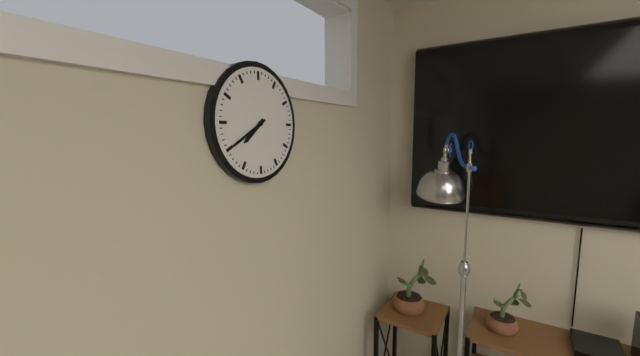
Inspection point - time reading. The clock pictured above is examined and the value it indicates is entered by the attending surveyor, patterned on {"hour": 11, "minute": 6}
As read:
{"hour": 7, "minute": 40}
